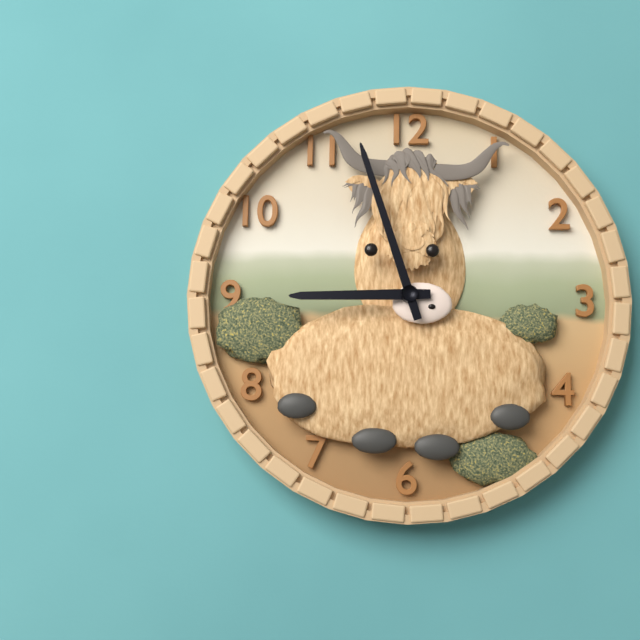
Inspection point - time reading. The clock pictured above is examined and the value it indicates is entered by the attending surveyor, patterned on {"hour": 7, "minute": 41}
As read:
{"hour": 8, "minute": 57}
